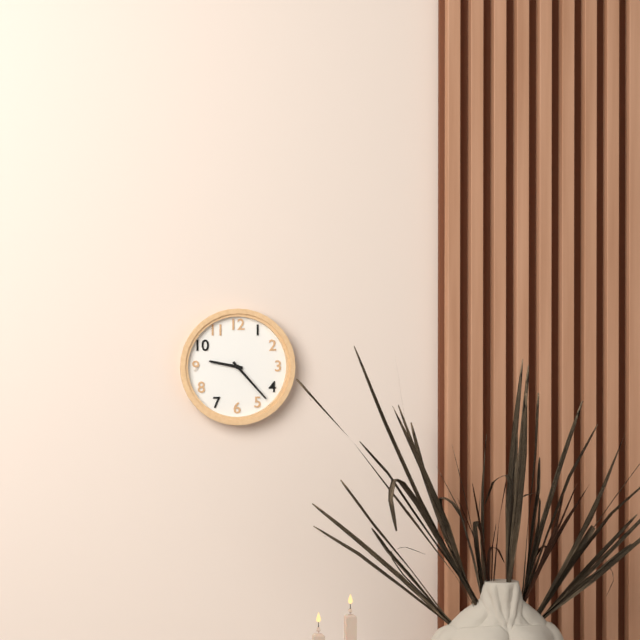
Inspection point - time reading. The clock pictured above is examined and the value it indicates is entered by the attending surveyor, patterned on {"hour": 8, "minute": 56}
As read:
{"hour": 9, "minute": 23}
